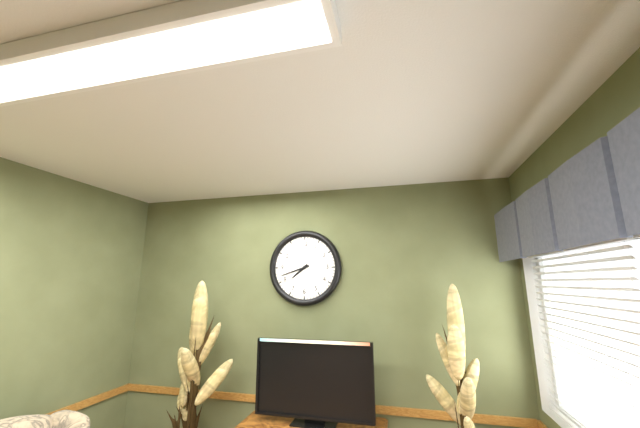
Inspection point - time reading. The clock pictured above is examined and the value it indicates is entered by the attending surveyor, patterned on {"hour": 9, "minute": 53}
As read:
{"hour": 7, "minute": 42}
